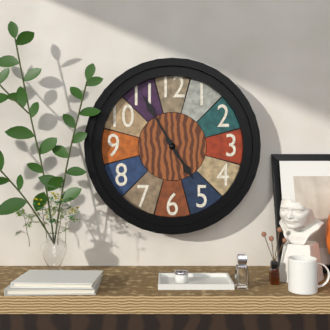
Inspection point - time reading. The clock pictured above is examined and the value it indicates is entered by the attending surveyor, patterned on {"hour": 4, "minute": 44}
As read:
{"hour": 4, "minute": 55}
